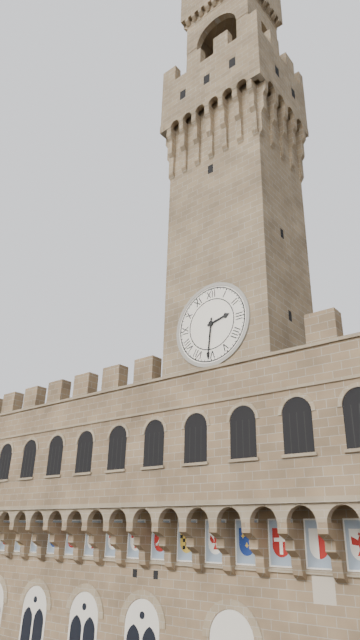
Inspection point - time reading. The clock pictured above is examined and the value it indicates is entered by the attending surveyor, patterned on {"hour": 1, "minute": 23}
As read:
{"hour": 2, "minute": 31}
